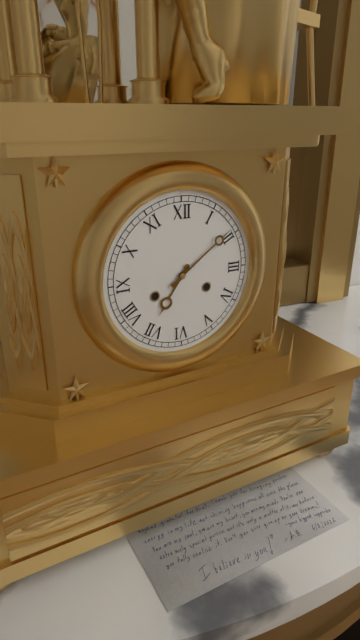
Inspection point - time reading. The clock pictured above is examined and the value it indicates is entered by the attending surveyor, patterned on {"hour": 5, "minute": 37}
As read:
{"hour": 7, "minute": 9}
